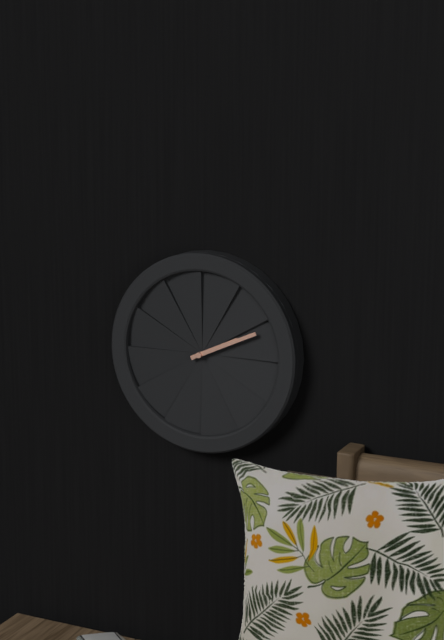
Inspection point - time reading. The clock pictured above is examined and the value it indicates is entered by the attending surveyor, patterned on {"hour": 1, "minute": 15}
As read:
{"hour": 2, "minute": 11}
